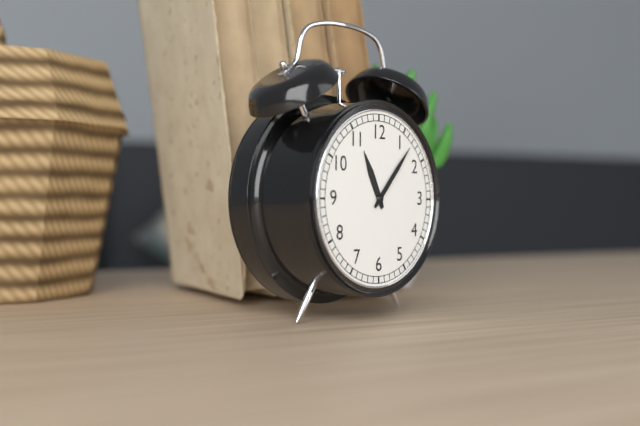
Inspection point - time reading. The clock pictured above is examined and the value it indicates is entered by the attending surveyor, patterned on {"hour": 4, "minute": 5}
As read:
{"hour": 11, "minute": 7}
